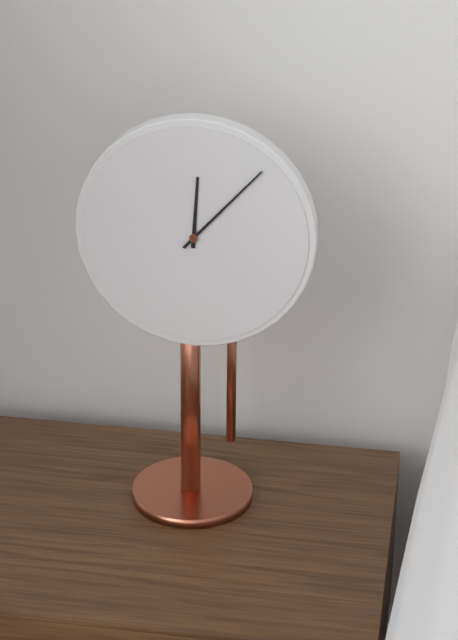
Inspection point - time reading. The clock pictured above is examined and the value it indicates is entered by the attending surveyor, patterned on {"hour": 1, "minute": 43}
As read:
{"hour": 12, "minute": 7}
